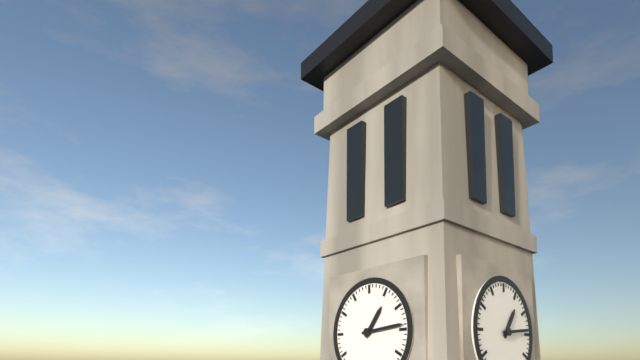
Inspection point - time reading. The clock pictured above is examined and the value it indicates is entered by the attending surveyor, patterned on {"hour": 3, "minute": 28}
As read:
{"hour": 1, "minute": 14}
